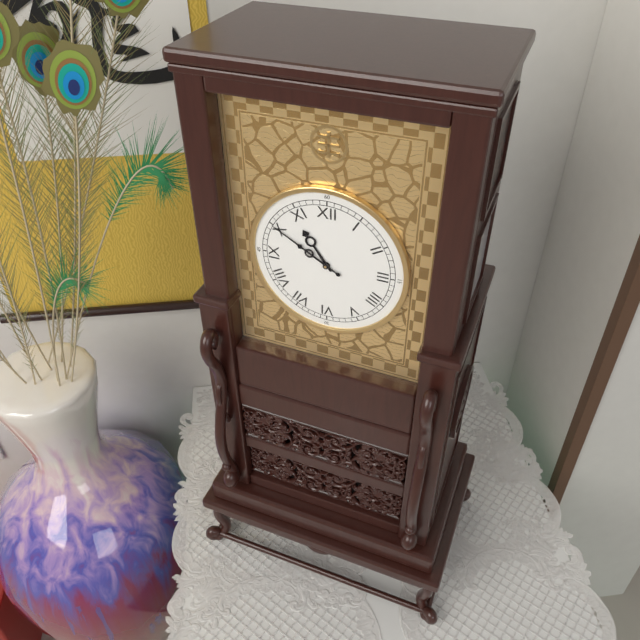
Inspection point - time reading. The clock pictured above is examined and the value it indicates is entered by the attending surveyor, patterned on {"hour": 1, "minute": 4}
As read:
{"hour": 10, "minute": 50}
